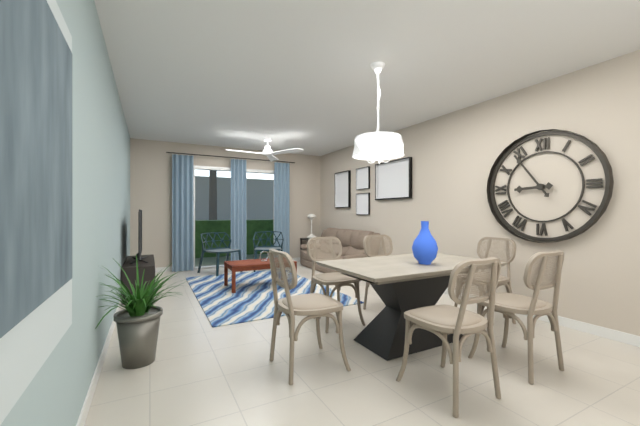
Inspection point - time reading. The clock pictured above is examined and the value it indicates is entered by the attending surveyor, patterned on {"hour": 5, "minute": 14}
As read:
{"hour": 8, "minute": 54}
